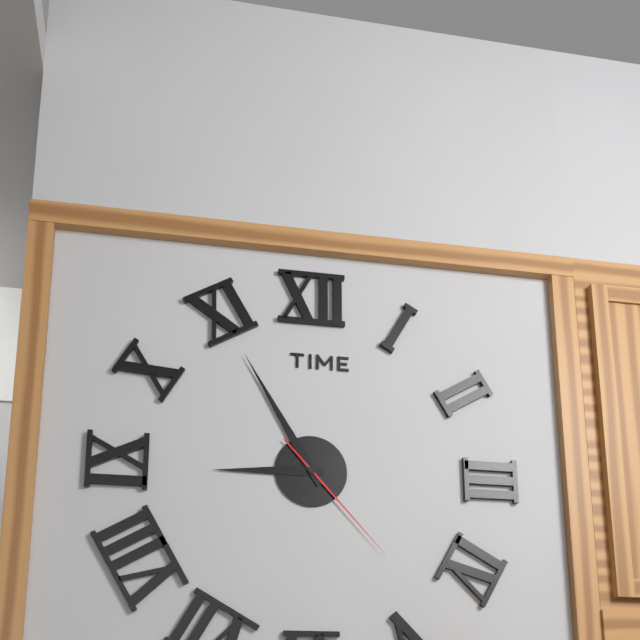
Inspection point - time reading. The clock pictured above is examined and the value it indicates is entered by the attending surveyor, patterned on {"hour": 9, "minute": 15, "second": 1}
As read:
{"hour": 8, "minute": 55, "second": 23}
